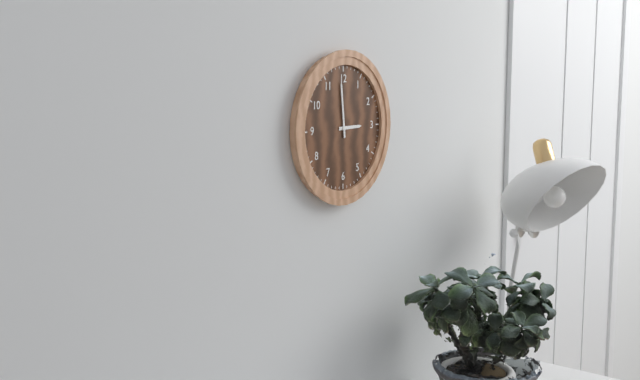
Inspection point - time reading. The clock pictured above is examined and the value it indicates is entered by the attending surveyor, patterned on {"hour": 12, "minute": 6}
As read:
{"hour": 2, "minute": 59}
